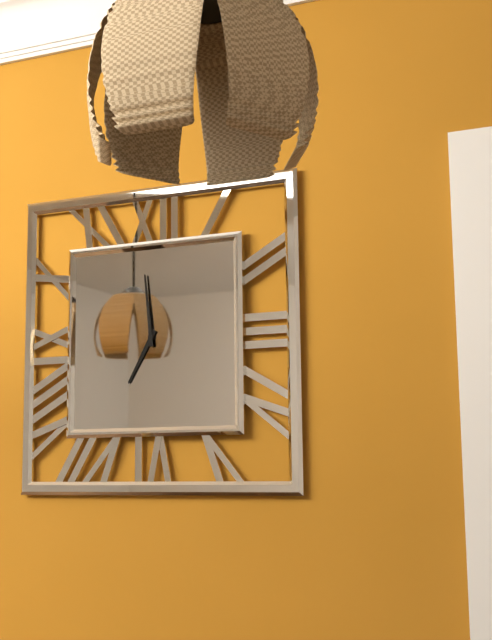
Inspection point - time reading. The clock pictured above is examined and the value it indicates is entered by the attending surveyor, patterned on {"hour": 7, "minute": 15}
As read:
{"hour": 6, "minute": 59}
